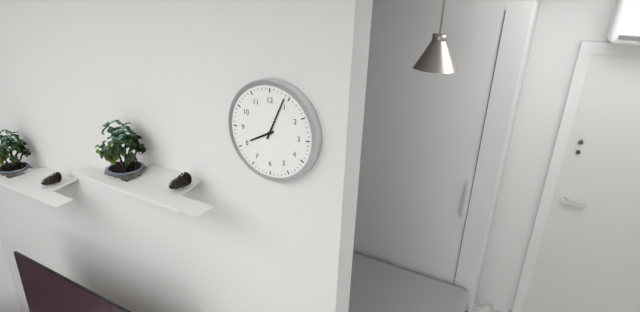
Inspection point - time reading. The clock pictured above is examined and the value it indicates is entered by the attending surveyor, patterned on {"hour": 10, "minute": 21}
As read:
{"hour": 8, "minute": 4}
